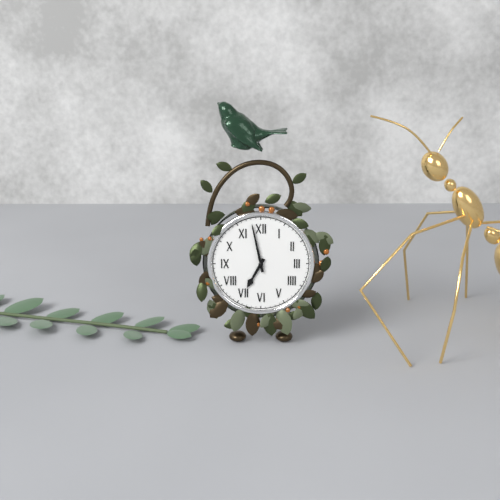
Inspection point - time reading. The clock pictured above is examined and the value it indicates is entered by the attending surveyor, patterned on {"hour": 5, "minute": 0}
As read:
{"hour": 6, "minute": 58}
